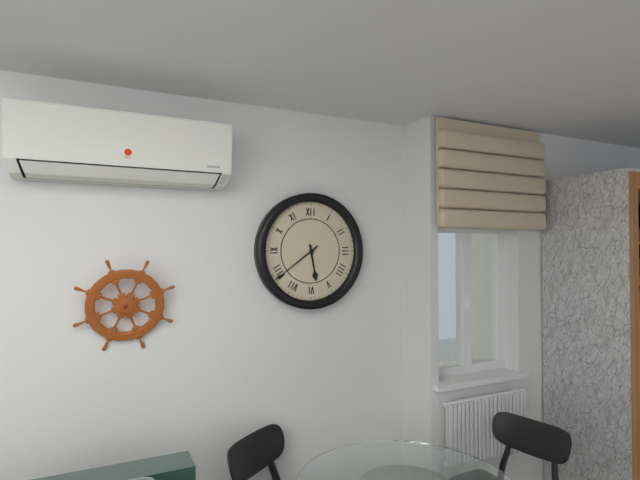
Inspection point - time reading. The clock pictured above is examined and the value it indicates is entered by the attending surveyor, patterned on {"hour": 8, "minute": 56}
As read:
{"hour": 5, "minute": 39}
